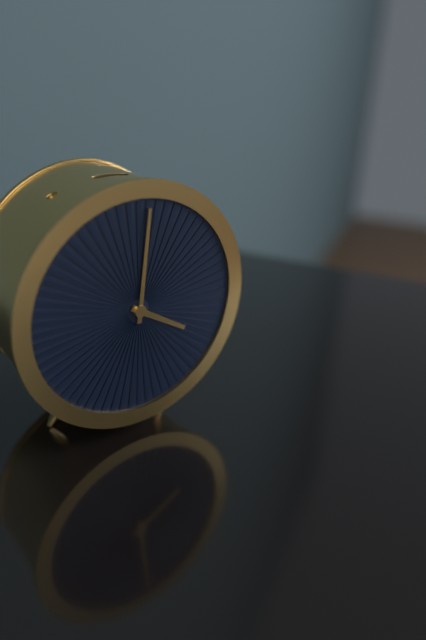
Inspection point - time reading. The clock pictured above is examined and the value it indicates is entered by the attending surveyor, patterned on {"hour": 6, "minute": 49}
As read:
{"hour": 4, "minute": 1}
